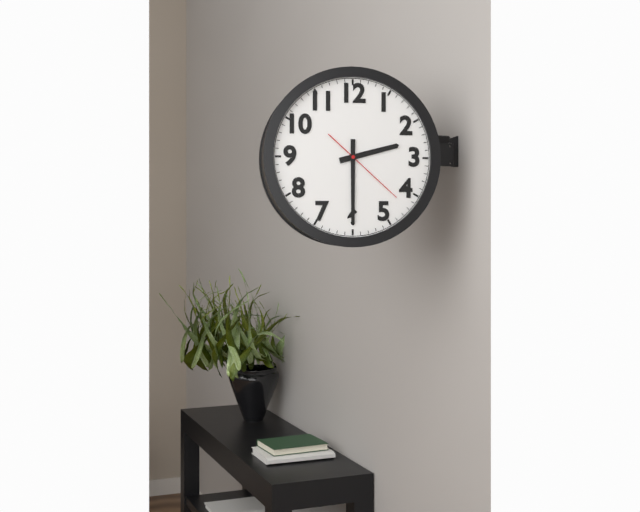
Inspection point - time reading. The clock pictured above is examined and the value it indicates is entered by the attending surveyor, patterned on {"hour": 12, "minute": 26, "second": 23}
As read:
{"hour": 2, "minute": 30, "second": 22}
